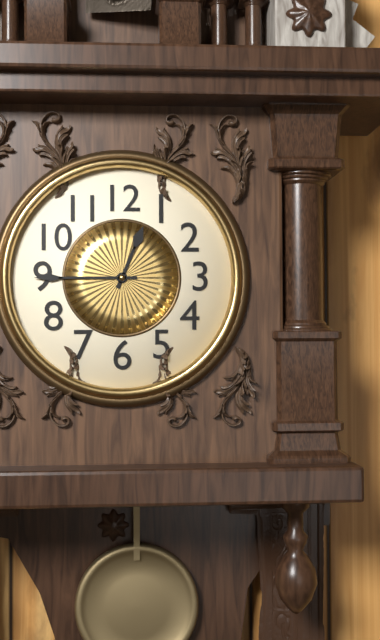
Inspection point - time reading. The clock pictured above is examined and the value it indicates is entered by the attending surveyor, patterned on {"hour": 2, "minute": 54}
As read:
{"hour": 12, "minute": 45}
